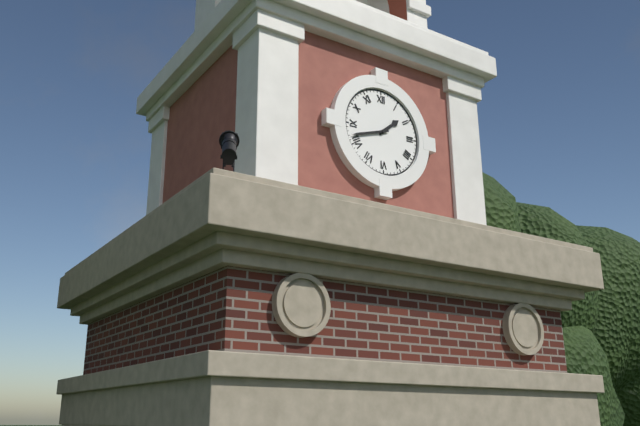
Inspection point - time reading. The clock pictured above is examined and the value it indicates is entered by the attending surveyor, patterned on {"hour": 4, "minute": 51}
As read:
{"hour": 1, "minute": 42}
